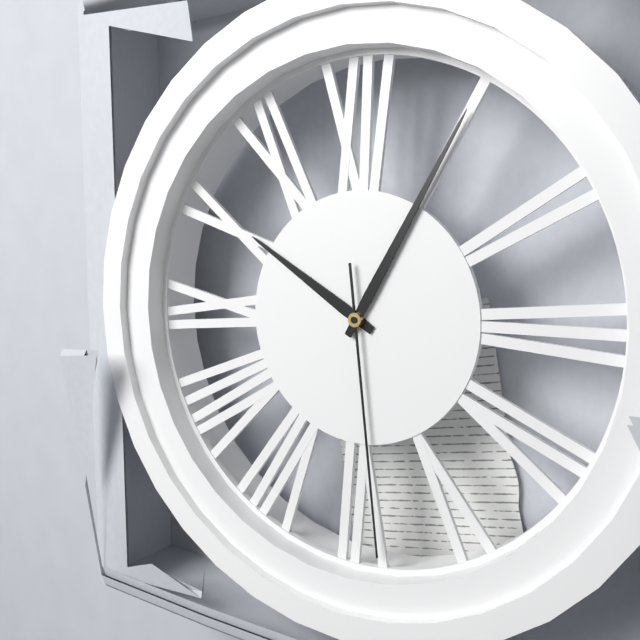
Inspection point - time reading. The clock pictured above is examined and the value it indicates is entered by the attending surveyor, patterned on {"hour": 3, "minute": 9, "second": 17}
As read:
{"hour": 10, "minute": 5, "second": 29}
